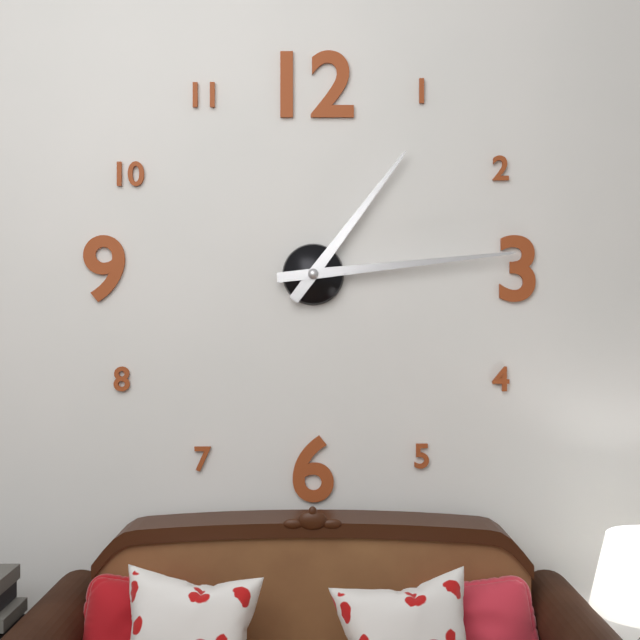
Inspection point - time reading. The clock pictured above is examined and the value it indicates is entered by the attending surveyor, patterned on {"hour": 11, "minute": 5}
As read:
{"hour": 1, "minute": 14}
